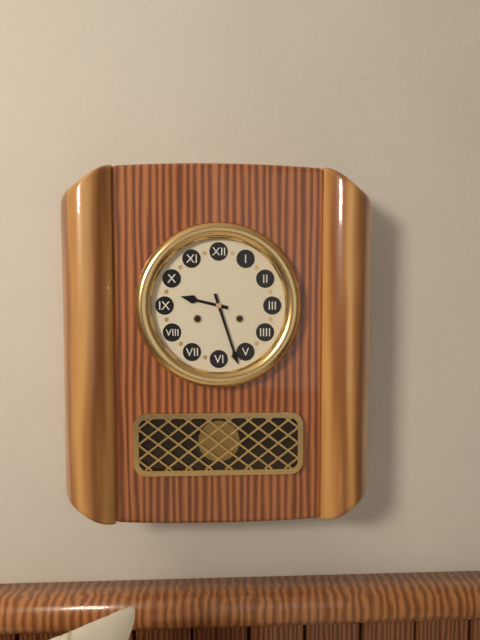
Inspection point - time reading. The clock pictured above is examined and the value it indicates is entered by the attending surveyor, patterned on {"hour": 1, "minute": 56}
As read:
{"hour": 9, "minute": 27}
